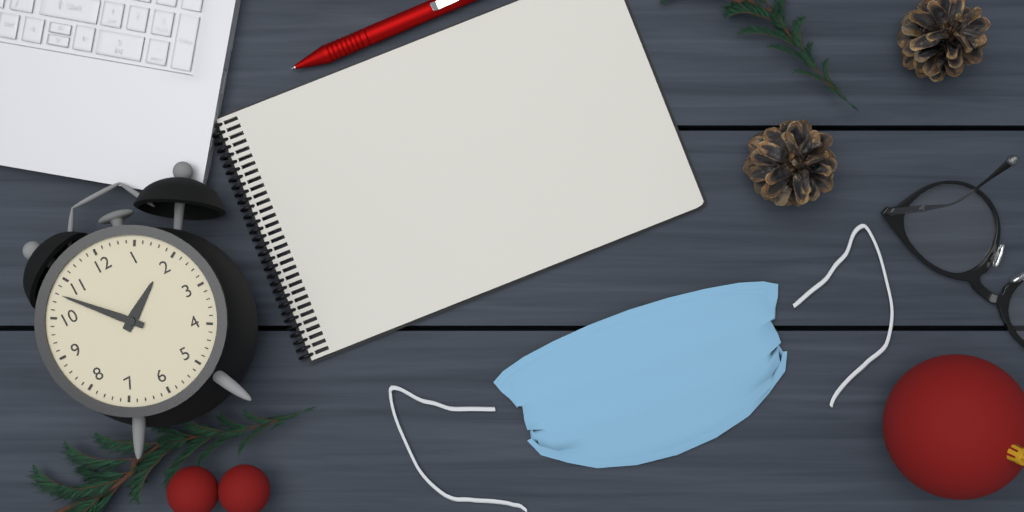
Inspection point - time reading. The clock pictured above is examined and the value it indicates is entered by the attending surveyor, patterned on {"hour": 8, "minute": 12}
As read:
{"hour": 1, "minute": 53}
